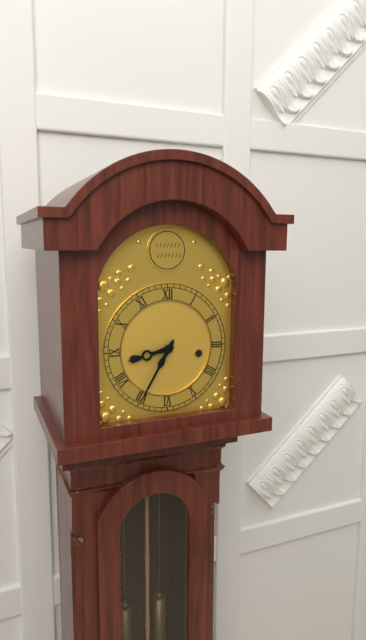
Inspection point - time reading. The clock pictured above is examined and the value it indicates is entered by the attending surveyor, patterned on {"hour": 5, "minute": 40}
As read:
{"hour": 8, "minute": 35}
